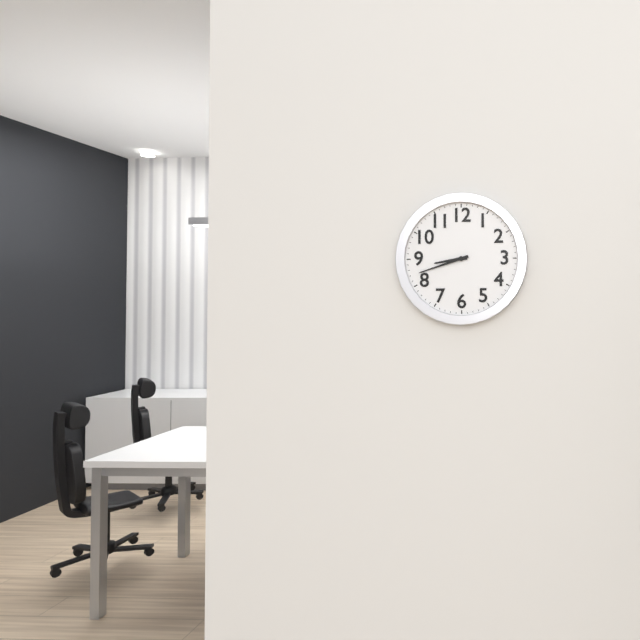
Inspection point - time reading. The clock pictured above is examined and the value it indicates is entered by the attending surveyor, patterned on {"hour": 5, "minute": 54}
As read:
{"hour": 8, "minute": 42}
